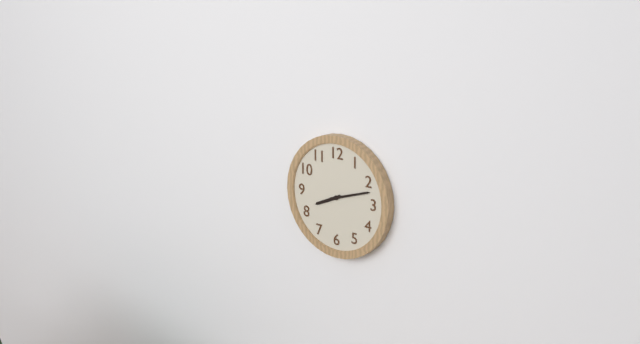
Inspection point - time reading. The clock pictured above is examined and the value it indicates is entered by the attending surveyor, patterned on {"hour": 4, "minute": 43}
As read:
{"hour": 8, "minute": 12}
